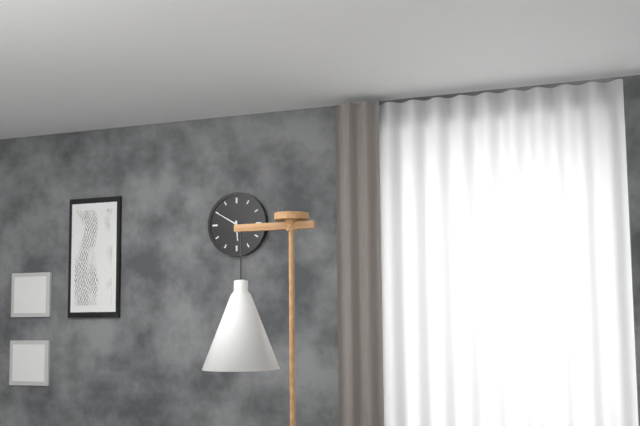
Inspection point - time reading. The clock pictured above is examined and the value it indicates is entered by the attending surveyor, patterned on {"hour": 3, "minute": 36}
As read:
{"hour": 5, "minute": 50}
